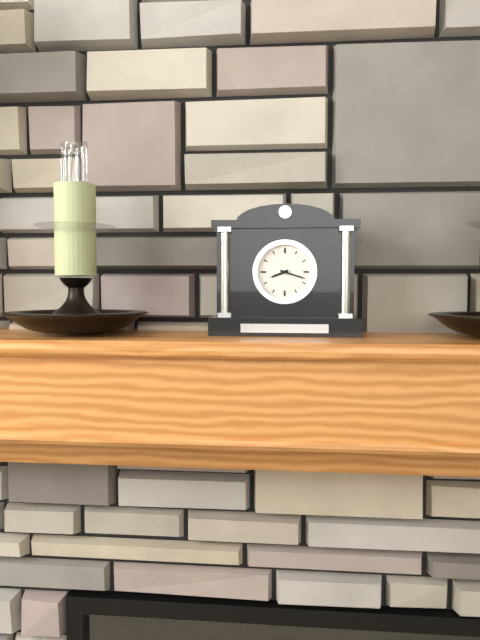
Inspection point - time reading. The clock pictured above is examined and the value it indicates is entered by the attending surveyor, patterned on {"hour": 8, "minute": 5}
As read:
{"hour": 8, "minute": 18}
